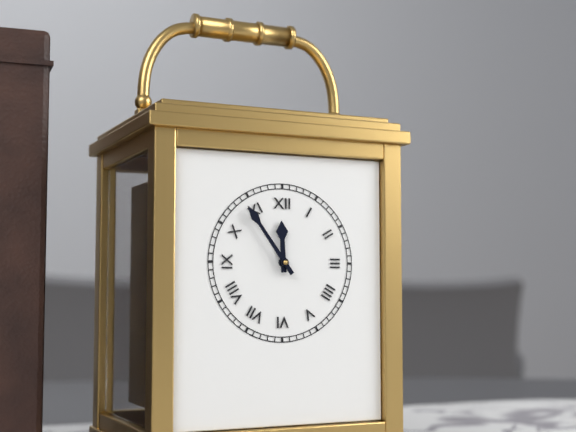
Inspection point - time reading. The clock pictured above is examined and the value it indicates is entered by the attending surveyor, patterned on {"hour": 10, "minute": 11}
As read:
{"hour": 11, "minute": 54}
